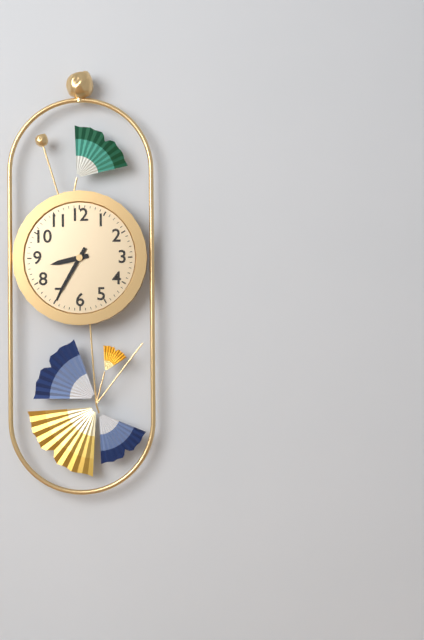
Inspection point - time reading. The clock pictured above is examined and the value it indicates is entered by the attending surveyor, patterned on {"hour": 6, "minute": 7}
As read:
{"hour": 8, "minute": 35}
